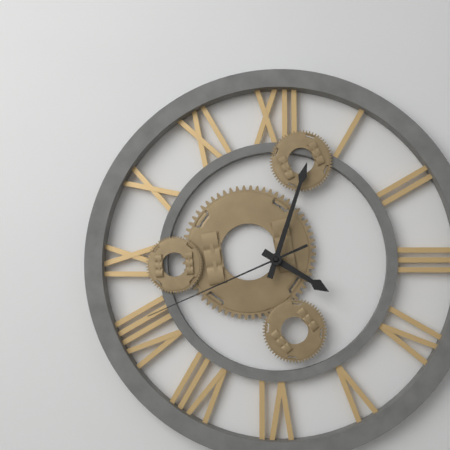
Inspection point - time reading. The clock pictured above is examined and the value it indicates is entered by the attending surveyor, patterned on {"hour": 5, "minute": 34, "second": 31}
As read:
{"hour": 4, "minute": 3, "second": 41}
